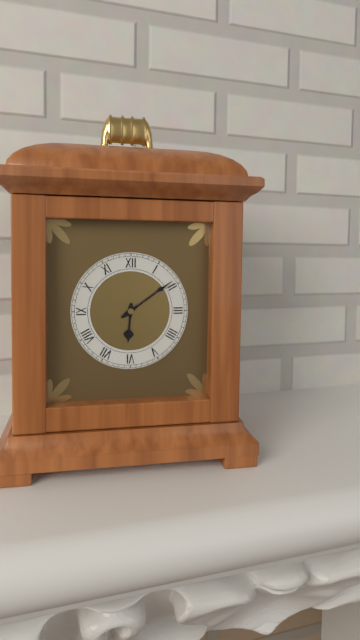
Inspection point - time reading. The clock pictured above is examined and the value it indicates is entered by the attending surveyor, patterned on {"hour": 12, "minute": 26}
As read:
{"hour": 6, "minute": 9}
